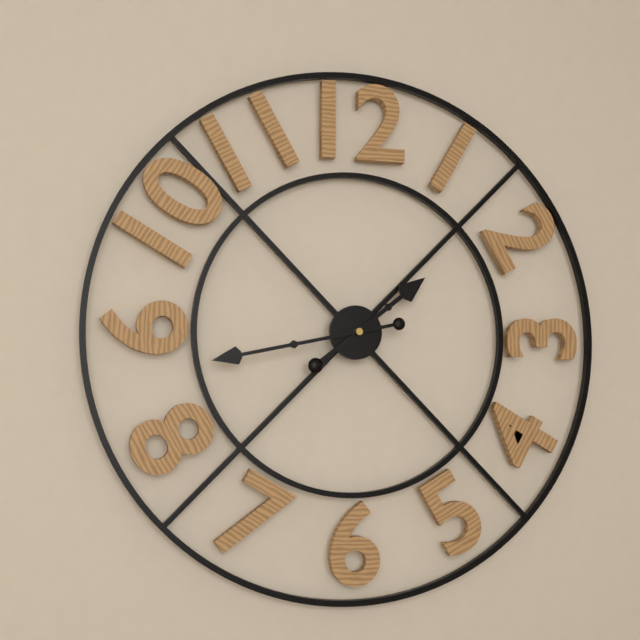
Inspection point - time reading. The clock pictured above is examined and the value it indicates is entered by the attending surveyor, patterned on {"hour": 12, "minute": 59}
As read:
{"hour": 1, "minute": 43}
